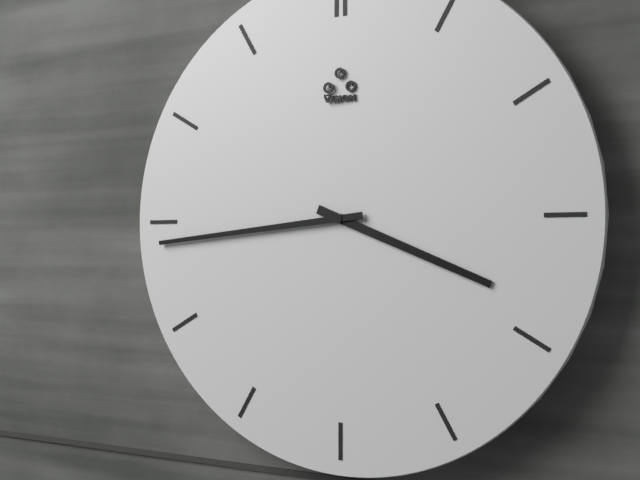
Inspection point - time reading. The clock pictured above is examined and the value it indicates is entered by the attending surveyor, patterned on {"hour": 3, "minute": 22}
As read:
{"hour": 3, "minute": 44}
